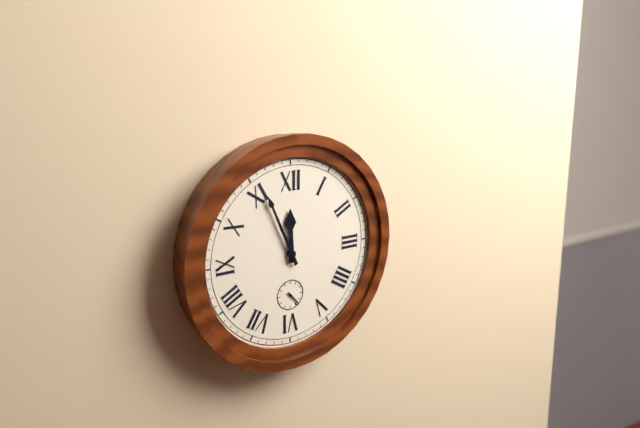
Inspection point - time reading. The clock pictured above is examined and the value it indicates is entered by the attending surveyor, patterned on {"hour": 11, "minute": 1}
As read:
{"hour": 11, "minute": 56}
